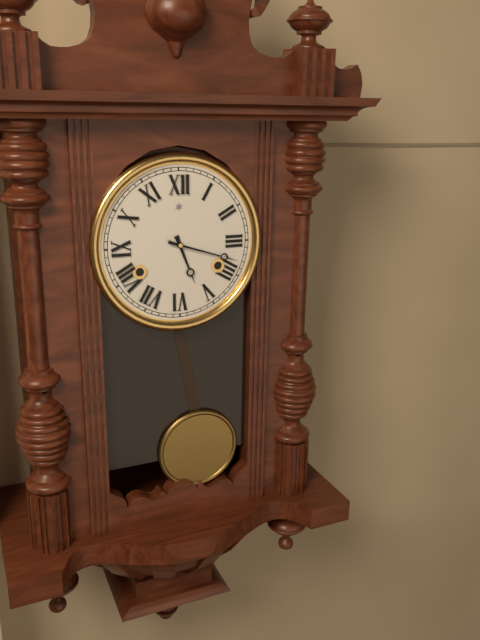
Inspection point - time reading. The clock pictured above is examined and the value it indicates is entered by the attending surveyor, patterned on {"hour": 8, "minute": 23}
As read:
{"hour": 5, "minute": 18}
